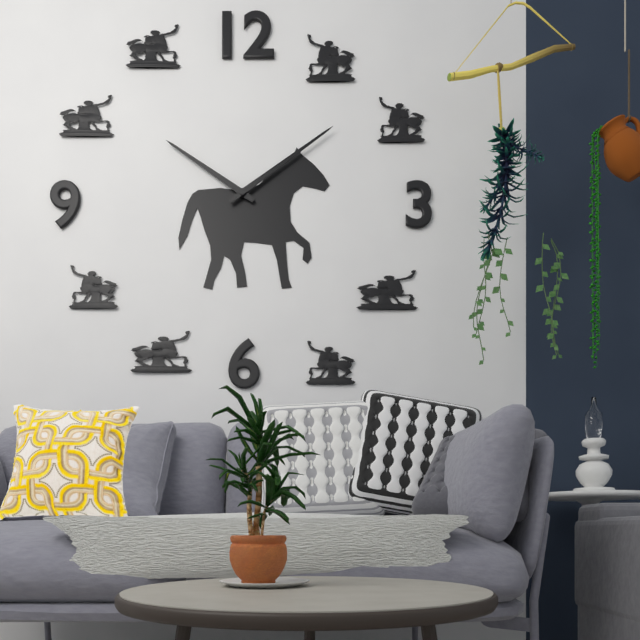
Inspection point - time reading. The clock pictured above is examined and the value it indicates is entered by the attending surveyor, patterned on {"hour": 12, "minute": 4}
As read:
{"hour": 10, "minute": 9}
